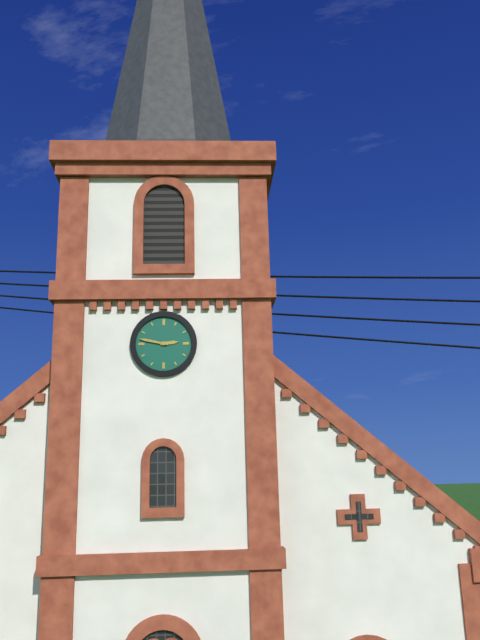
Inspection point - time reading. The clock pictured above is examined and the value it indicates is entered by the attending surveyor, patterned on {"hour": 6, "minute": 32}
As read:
{"hour": 2, "minute": 47}
